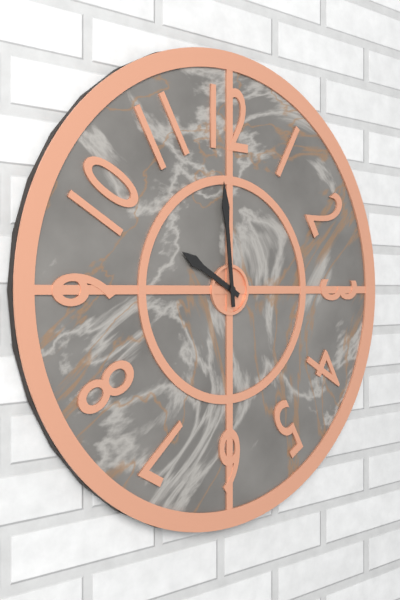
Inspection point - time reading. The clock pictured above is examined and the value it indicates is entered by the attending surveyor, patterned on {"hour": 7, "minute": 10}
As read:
{"hour": 9, "minute": 59}
